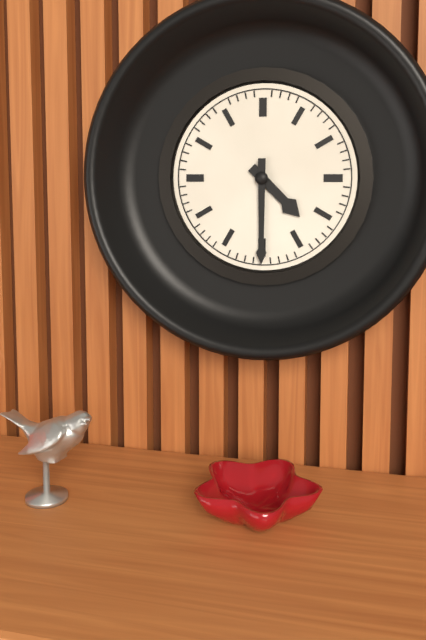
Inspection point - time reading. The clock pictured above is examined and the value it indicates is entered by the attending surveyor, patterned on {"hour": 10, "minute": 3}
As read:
{"hour": 4, "minute": 30}
